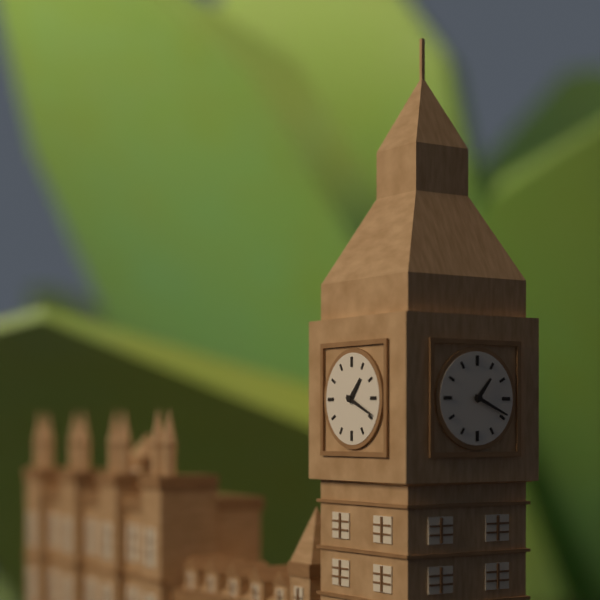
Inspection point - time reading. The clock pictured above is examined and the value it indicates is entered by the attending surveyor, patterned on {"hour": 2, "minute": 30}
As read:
{"hour": 1, "minute": 19}
